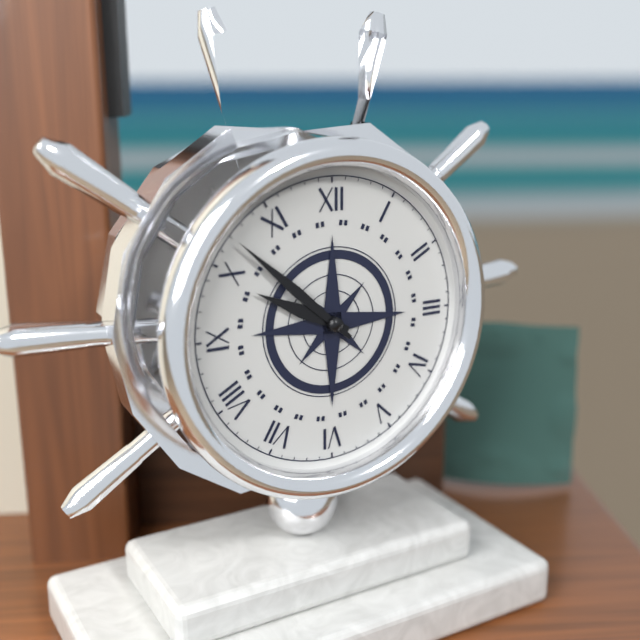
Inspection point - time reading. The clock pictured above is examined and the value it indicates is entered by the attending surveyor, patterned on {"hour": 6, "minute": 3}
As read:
{"hour": 9, "minute": 52}
